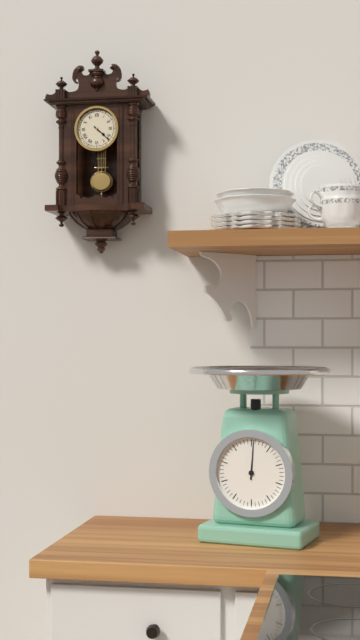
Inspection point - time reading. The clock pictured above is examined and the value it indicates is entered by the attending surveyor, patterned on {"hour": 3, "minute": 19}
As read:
{"hour": 4, "minute": 22}
